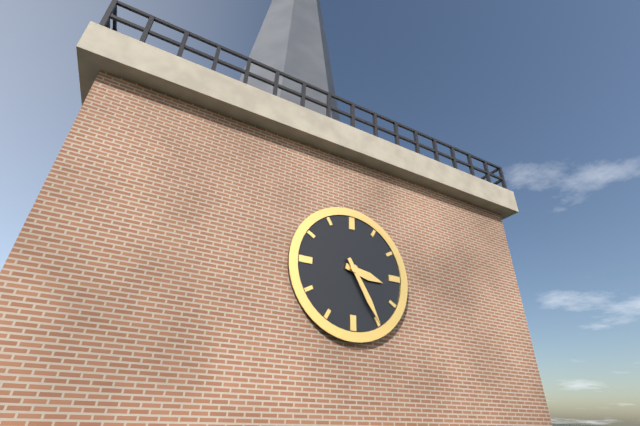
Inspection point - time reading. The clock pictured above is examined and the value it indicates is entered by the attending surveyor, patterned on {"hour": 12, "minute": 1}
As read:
{"hour": 3, "minute": 25}
